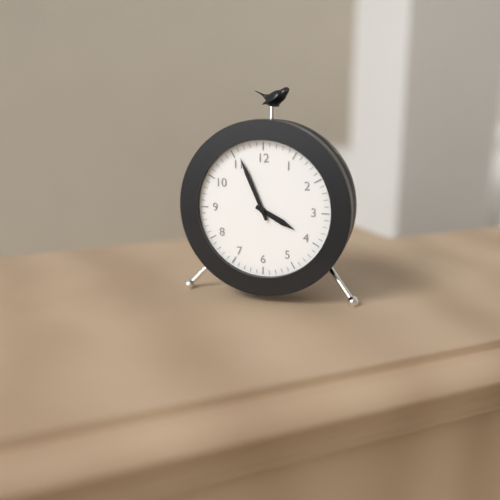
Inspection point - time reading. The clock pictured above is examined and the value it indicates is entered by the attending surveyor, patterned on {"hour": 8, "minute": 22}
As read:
{"hour": 3, "minute": 56}
